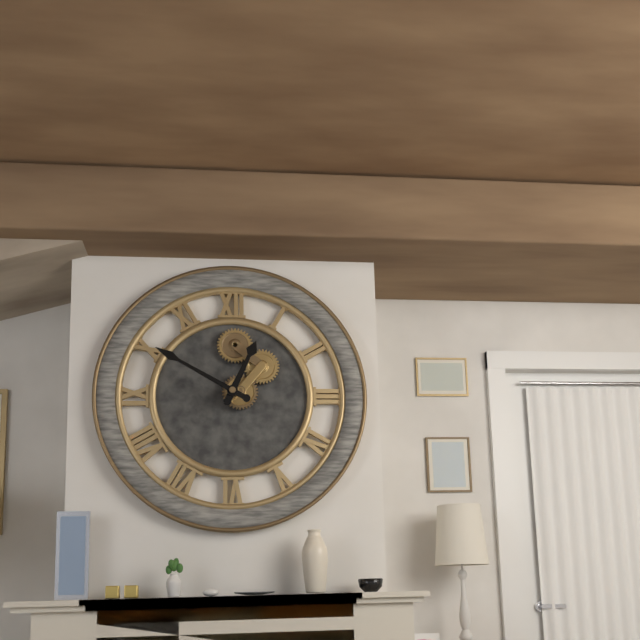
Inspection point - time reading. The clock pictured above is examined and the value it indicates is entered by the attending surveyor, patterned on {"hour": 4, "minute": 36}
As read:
{"hour": 12, "minute": 50}
